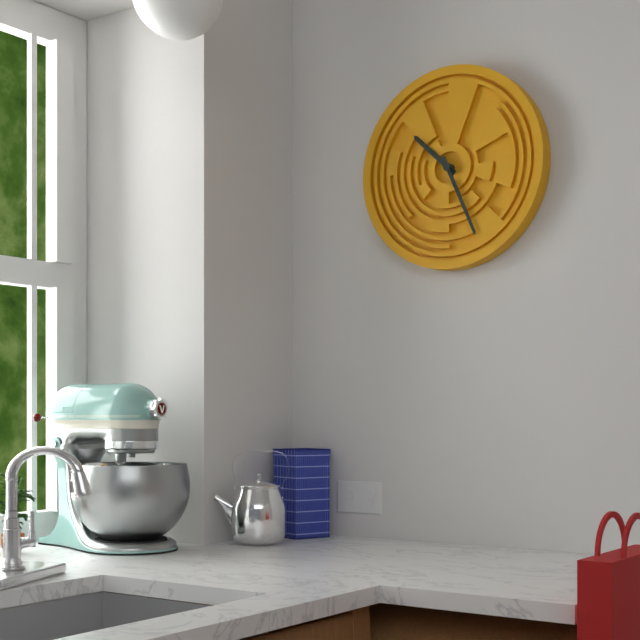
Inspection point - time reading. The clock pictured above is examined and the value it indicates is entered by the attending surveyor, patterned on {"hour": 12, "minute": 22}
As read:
{"hour": 10, "minute": 26}
